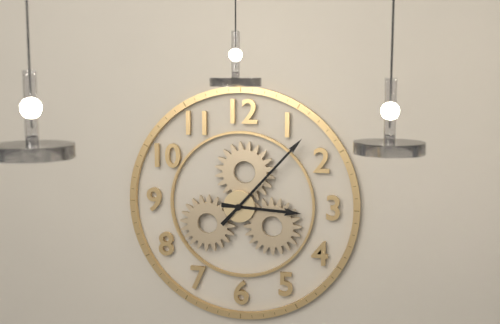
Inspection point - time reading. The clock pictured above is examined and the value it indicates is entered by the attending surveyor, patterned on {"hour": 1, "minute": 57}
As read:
{"hour": 3, "minute": 7}
